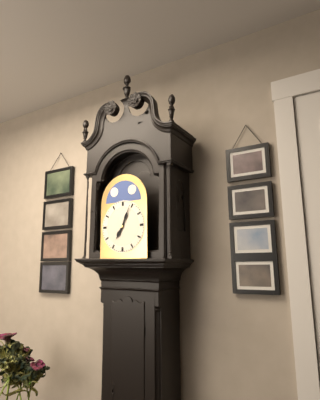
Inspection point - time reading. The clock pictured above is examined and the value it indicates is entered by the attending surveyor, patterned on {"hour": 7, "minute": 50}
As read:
{"hour": 7, "minute": 4}
